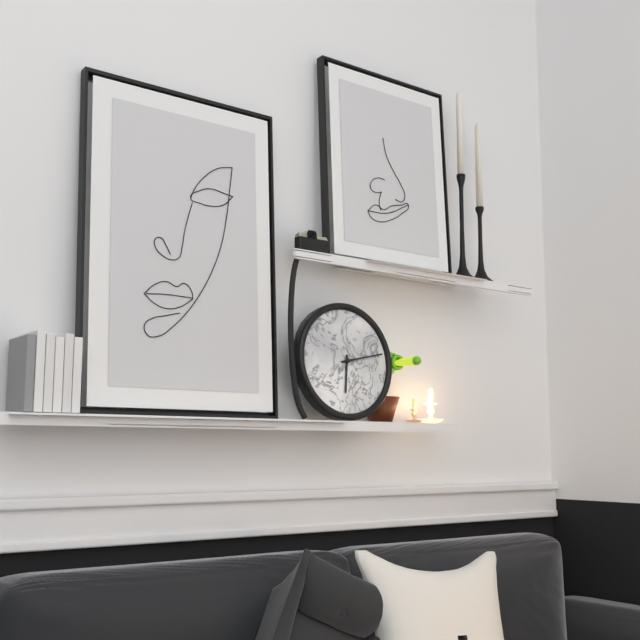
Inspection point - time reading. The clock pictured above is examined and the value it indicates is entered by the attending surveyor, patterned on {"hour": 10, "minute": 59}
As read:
{"hour": 6, "minute": 13}
